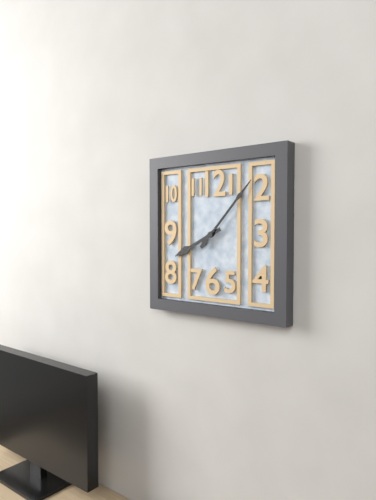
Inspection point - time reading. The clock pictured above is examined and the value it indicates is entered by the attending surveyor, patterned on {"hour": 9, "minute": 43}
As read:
{"hour": 8, "minute": 7}
